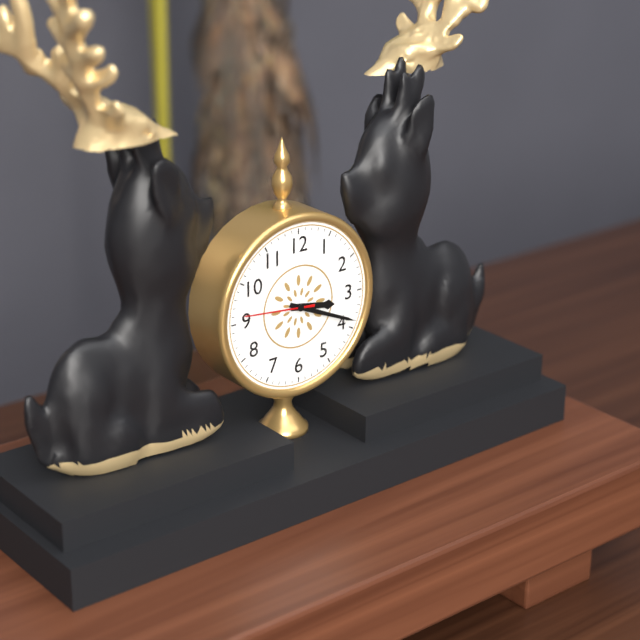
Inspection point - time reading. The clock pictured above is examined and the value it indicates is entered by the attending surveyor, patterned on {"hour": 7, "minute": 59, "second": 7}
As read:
{"hour": 3, "minute": 19, "second": 46}
